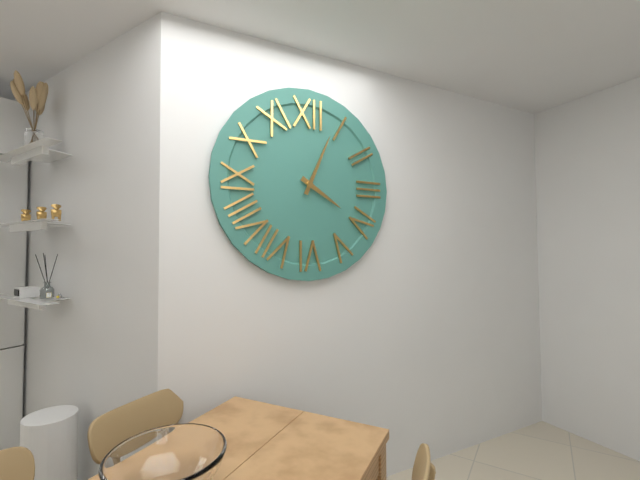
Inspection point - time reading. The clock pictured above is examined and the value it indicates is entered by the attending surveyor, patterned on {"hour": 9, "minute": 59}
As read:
{"hour": 4, "minute": 4}
